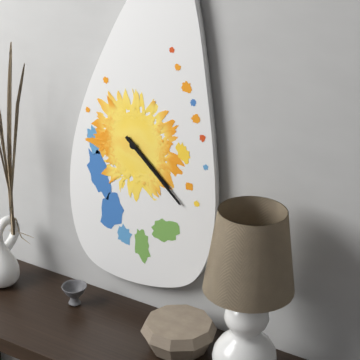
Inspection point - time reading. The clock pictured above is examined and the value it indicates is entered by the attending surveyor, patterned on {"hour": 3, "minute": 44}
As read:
{"hour": 4, "minute": 22}
